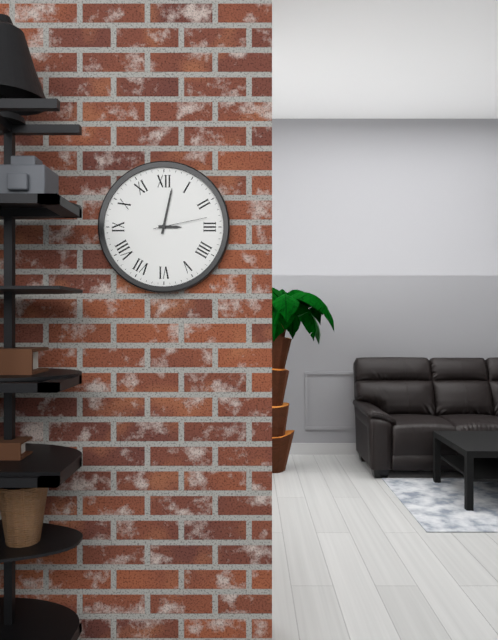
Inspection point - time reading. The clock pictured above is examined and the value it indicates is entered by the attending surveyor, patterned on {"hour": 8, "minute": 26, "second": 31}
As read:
{"hour": 3, "minute": 2, "second": 13}
